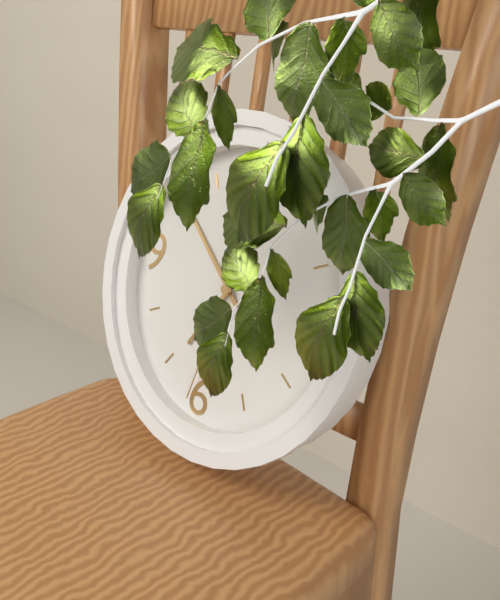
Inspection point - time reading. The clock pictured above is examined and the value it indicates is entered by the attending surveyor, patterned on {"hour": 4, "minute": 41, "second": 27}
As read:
{"hour": 6, "minute": 51, "second": 31}
